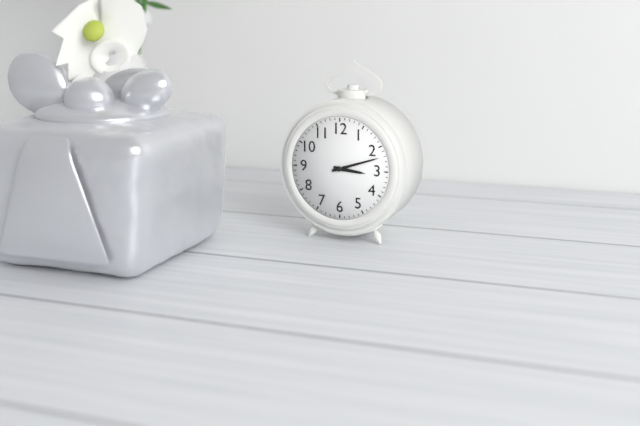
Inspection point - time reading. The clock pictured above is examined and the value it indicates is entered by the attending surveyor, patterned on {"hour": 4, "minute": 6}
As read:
{"hour": 3, "minute": 12}
